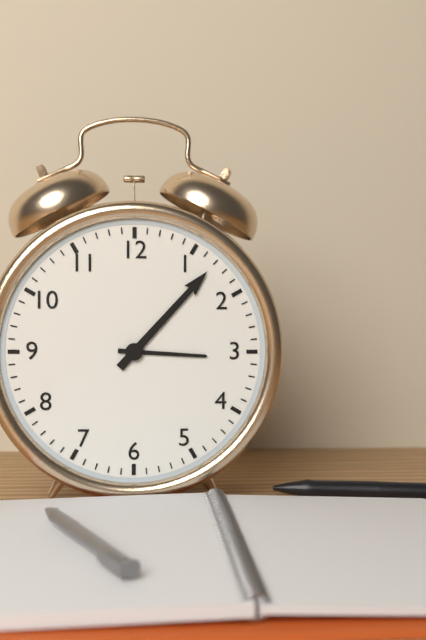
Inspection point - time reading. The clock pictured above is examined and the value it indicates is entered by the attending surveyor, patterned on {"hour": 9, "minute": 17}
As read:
{"hour": 3, "minute": 7}
